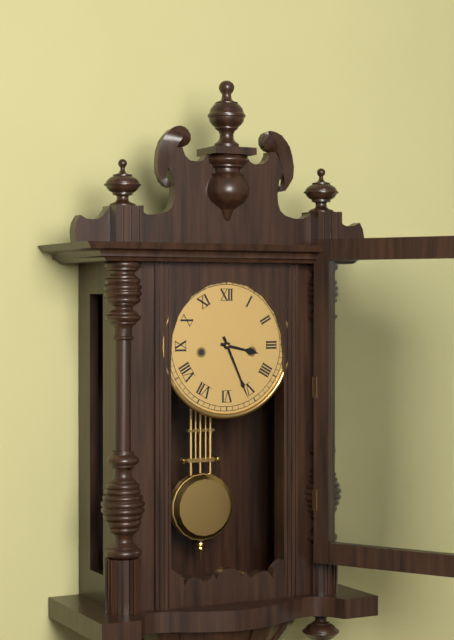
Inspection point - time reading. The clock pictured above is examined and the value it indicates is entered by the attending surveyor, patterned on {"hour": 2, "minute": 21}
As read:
{"hour": 3, "minute": 26}
